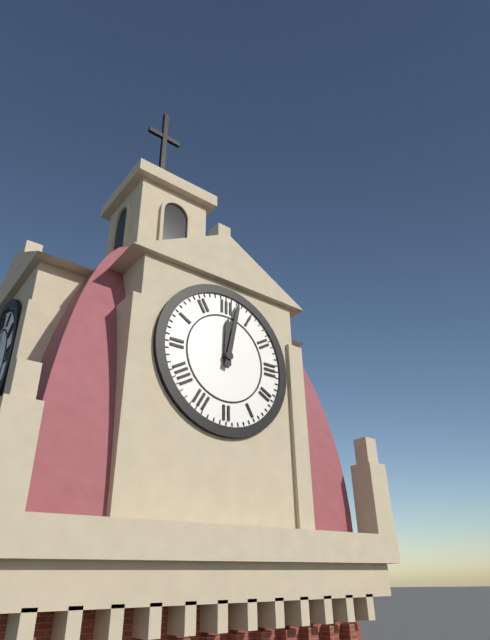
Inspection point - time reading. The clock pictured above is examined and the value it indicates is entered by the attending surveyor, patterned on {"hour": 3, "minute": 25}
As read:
{"hour": 12, "minute": 2}
